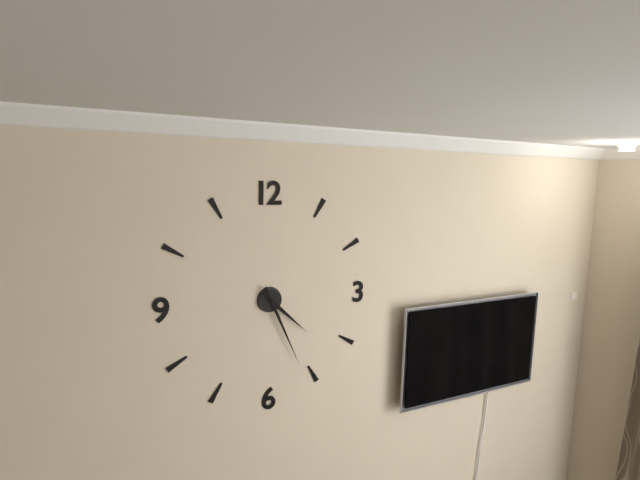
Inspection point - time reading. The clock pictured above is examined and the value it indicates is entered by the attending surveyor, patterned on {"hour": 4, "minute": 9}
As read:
{"hour": 4, "minute": 26}
